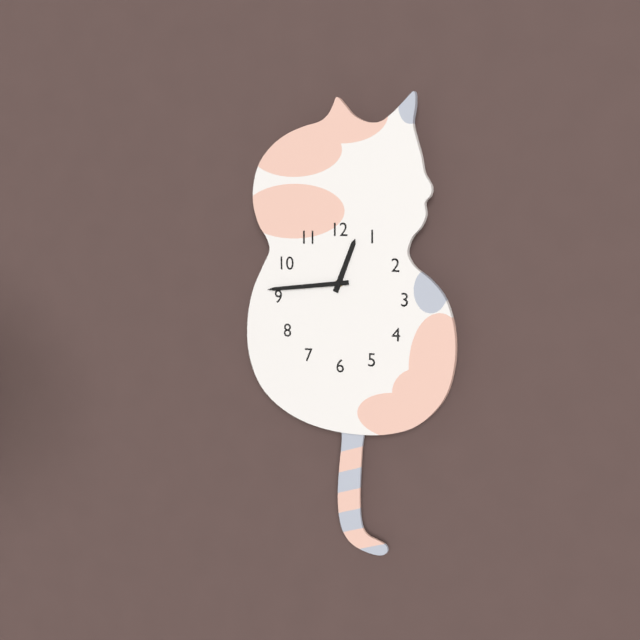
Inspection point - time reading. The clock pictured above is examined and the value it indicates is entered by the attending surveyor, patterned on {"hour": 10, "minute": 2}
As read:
{"hour": 12, "minute": 44}
